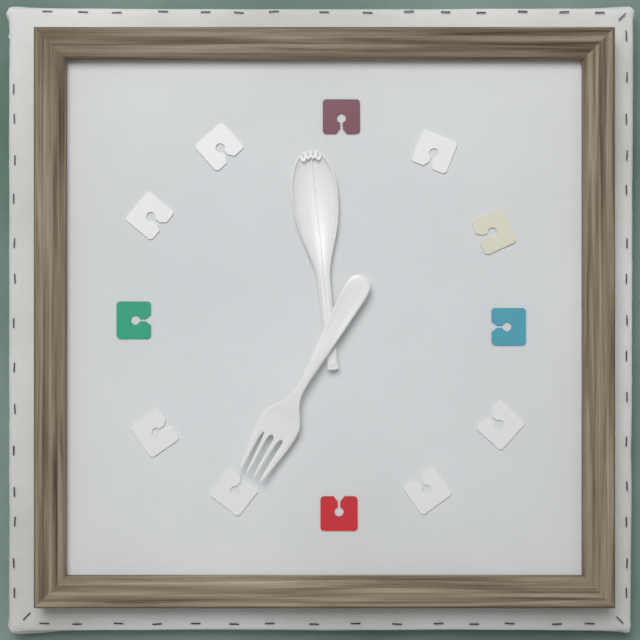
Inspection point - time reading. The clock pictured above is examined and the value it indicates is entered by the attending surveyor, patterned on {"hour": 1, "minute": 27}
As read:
{"hour": 6, "minute": 59}
